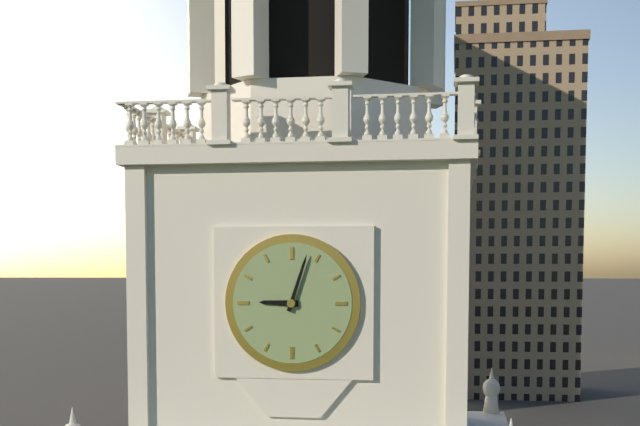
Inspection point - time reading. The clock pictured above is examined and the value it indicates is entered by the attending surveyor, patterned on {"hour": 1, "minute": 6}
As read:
{"hour": 9, "minute": 3}
